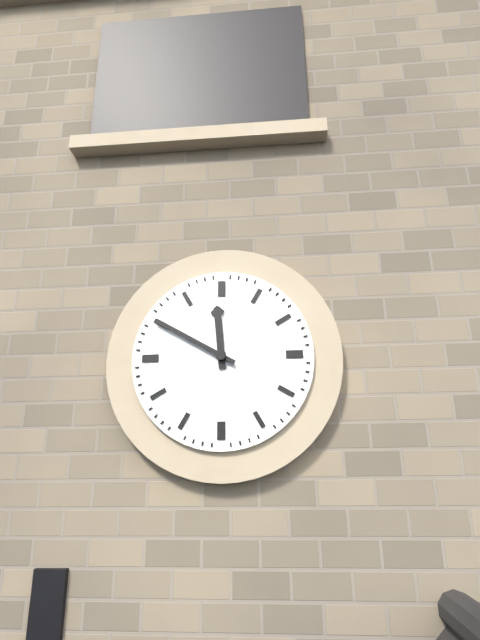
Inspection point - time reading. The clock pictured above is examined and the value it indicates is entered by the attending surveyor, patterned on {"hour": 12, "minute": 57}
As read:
{"hour": 11, "minute": 50}
